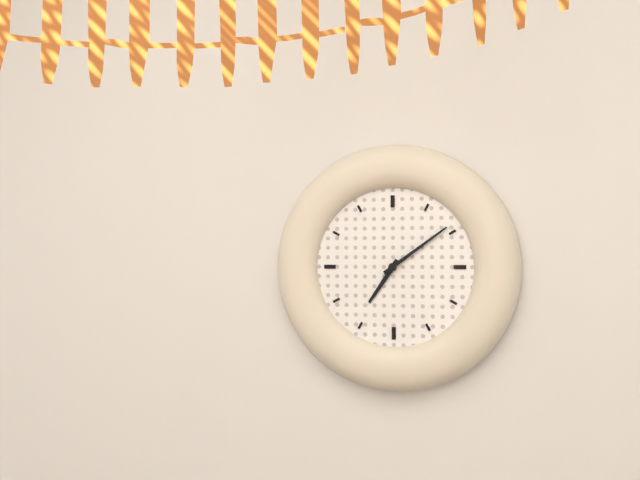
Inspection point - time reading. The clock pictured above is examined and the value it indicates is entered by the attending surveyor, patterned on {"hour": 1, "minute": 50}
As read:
{"hour": 7, "minute": 9}
